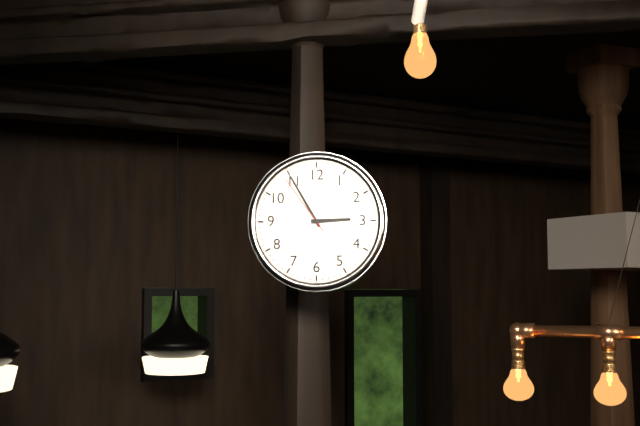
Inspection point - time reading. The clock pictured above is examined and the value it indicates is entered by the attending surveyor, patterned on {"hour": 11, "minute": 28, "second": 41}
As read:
{"hour": 2, "minute": 55, "second": 54}
